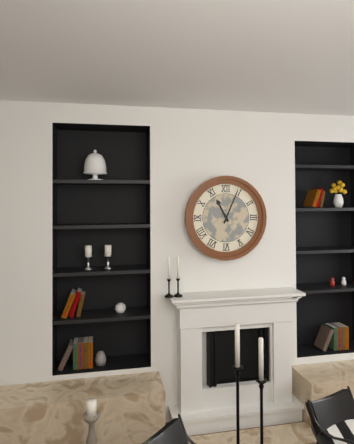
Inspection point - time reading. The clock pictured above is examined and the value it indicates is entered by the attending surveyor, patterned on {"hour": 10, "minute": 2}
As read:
{"hour": 11, "minute": 4}
